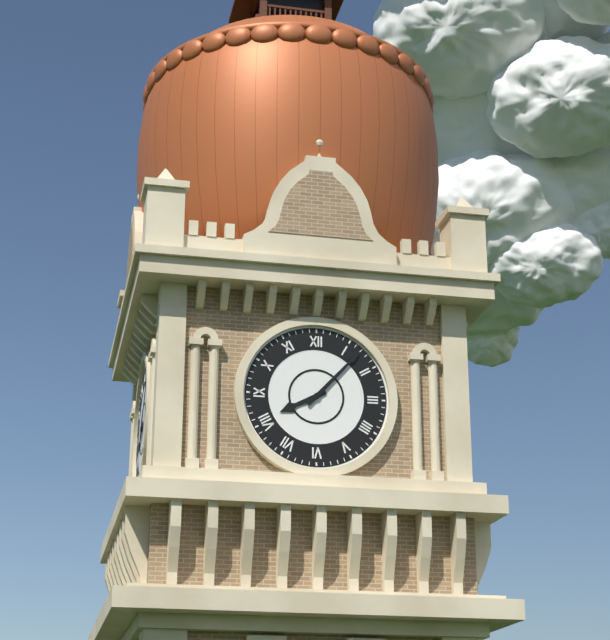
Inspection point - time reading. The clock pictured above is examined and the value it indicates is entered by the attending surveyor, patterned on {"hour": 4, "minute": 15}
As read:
{"hour": 8, "minute": 7}
